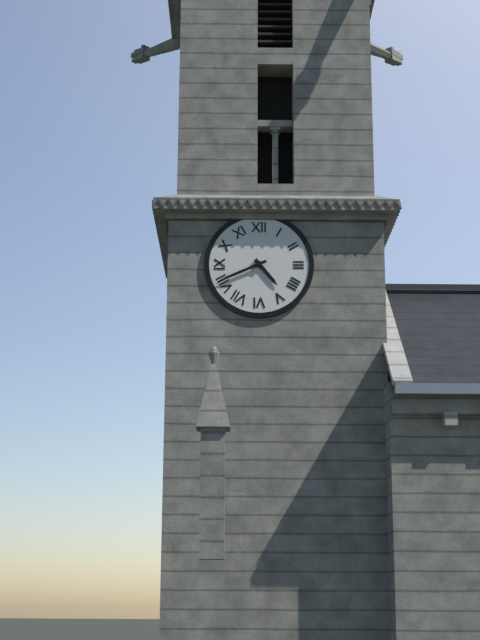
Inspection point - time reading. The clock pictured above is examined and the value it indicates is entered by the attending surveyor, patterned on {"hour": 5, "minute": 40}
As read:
{"hour": 4, "minute": 41}
